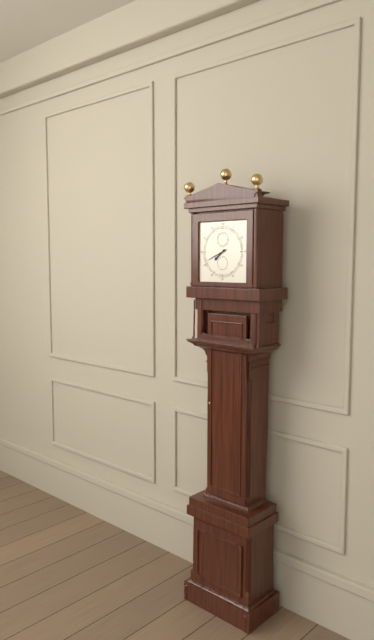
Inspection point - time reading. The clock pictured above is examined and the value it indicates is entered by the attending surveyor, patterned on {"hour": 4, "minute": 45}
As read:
{"hour": 7, "minute": 41}
